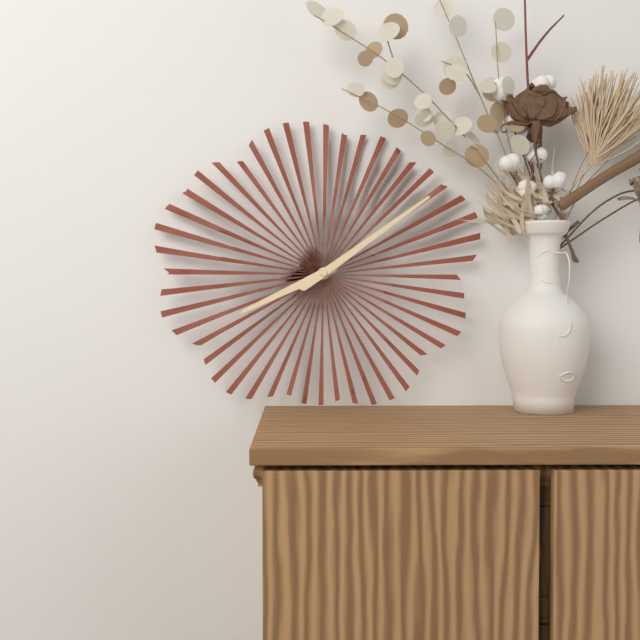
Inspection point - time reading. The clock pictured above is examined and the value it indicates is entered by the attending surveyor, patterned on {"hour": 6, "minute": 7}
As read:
{"hour": 8, "minute": 9}
